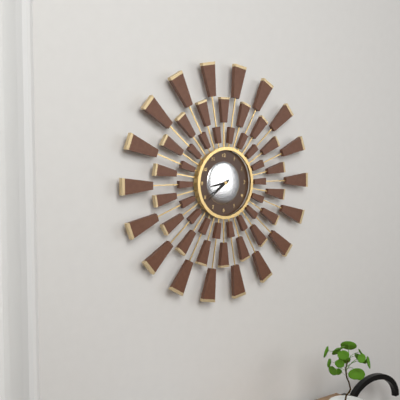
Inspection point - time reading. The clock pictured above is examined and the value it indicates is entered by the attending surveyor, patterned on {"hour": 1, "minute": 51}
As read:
{"hour": 8, "minute": 39}
